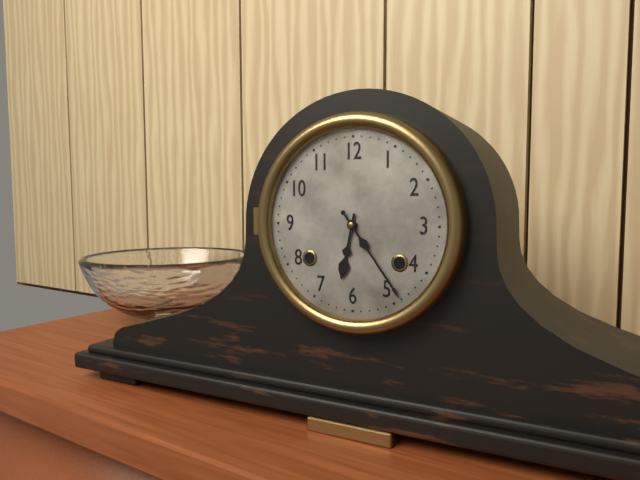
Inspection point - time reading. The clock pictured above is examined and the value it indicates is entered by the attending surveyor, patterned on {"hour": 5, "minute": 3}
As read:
{"hour": 6, "minute": 24}
